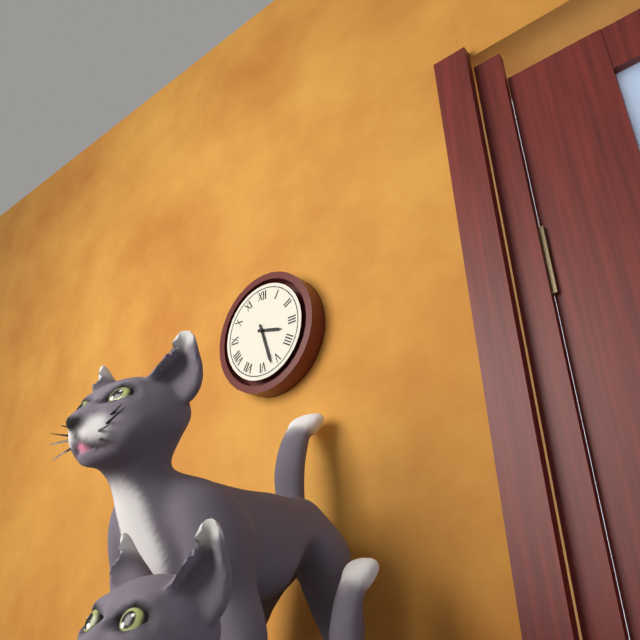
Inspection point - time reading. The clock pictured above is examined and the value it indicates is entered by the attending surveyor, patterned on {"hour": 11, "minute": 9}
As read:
{"hour": 3, "minute": 27}
